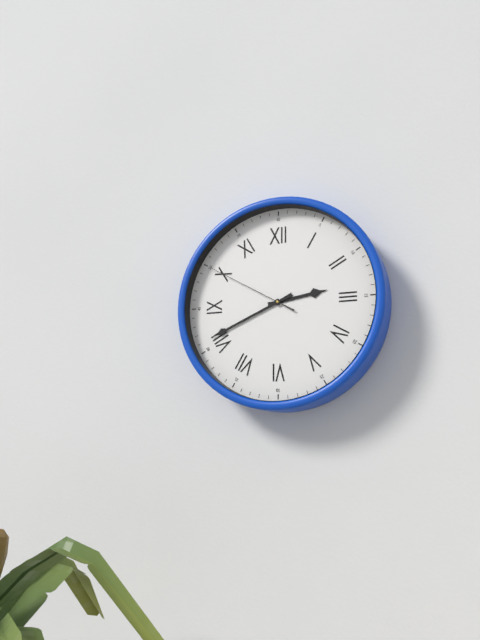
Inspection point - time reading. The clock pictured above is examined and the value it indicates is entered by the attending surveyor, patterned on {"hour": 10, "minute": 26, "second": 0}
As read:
{"hour": 2, "minute": 41, "second": 50}
